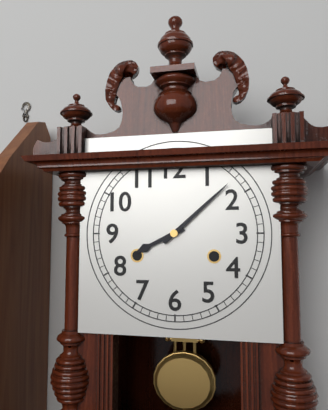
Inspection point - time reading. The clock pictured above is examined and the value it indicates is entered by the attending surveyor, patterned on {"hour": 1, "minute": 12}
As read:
{"hour": 8, "minute": 8}
